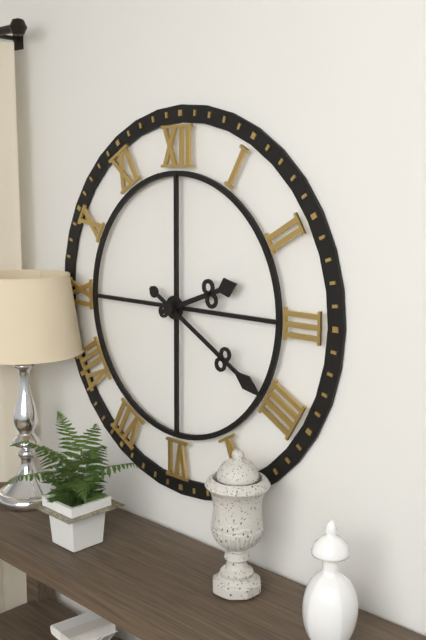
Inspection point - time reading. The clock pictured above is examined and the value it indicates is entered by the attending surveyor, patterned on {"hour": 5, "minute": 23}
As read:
{"hour": 2, "minute": 20}
